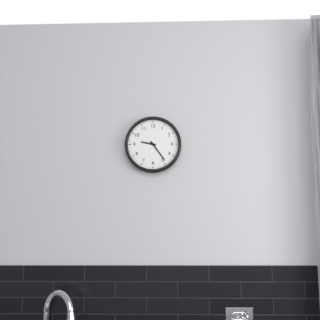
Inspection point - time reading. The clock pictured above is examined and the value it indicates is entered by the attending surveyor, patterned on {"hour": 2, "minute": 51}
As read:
{"hour": 9, "minute": 24}
